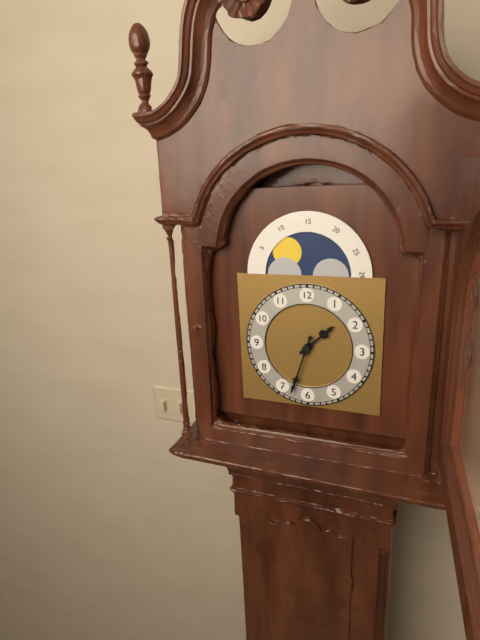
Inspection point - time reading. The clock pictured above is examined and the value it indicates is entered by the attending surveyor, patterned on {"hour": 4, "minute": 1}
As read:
{"hour": 1, "minute": 33}
